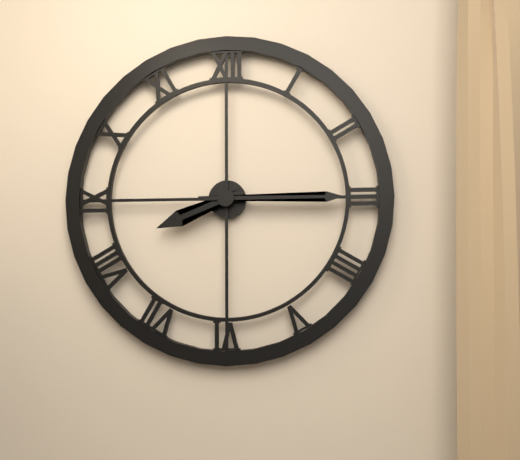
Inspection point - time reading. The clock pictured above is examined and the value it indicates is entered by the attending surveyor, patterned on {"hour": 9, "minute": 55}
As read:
{"hour": 8, "minute": 15}
